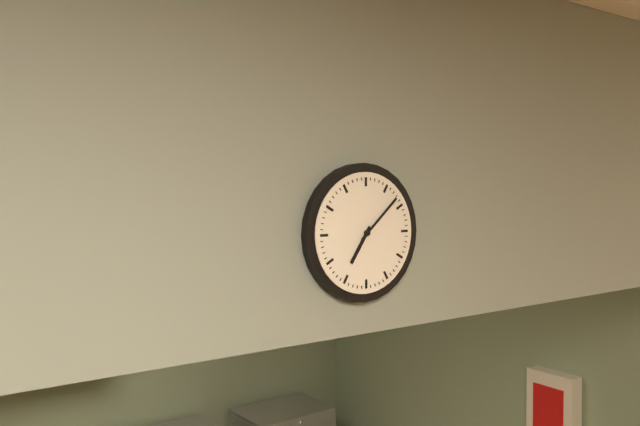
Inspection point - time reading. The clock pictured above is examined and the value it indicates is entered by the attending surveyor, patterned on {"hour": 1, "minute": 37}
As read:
{"hour": 7, "minute": 8}
